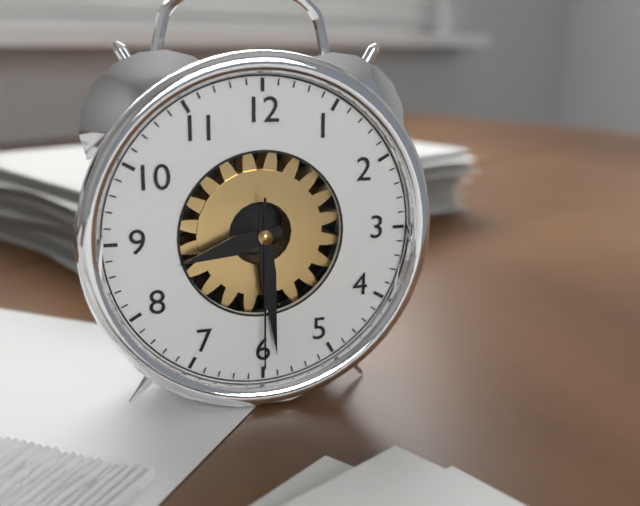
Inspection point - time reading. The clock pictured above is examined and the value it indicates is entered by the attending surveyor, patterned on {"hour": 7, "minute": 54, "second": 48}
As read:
{"hour": 8, "minute": 29, "second": 30}
